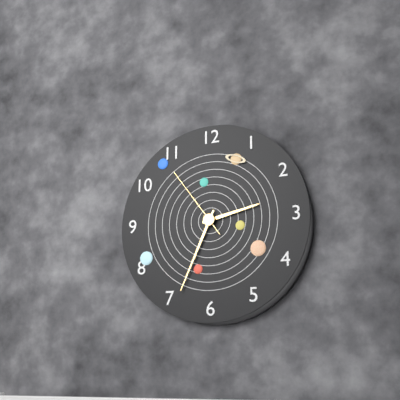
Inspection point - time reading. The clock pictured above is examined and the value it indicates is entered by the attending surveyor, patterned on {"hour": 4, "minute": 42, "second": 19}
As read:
{"hour": 2, "minute": 34, "second": 54}
